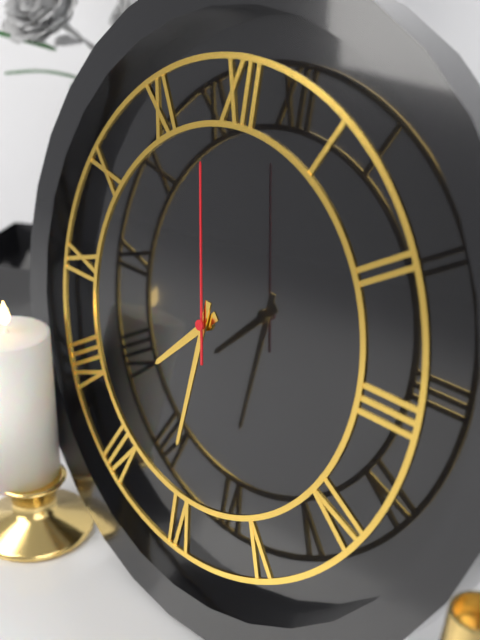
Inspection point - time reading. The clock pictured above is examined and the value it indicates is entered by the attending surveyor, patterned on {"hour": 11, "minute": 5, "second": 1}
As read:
{"hour": 7, "minute": 31, "second": 58}
